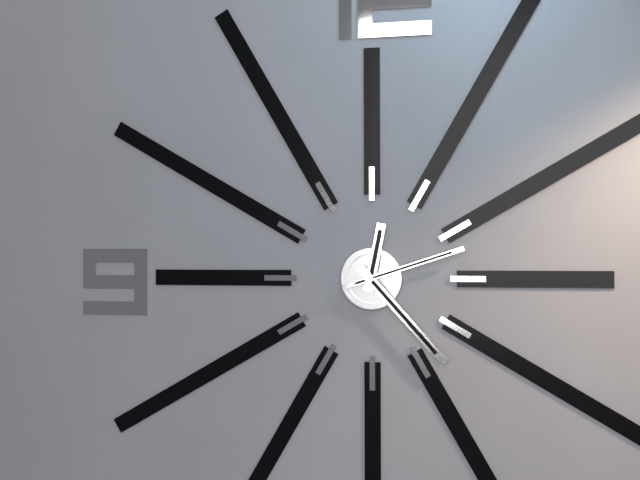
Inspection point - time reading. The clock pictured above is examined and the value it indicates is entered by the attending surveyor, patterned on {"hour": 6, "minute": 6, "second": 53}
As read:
{"hour": 12, "minute": 23, "second": 12}
